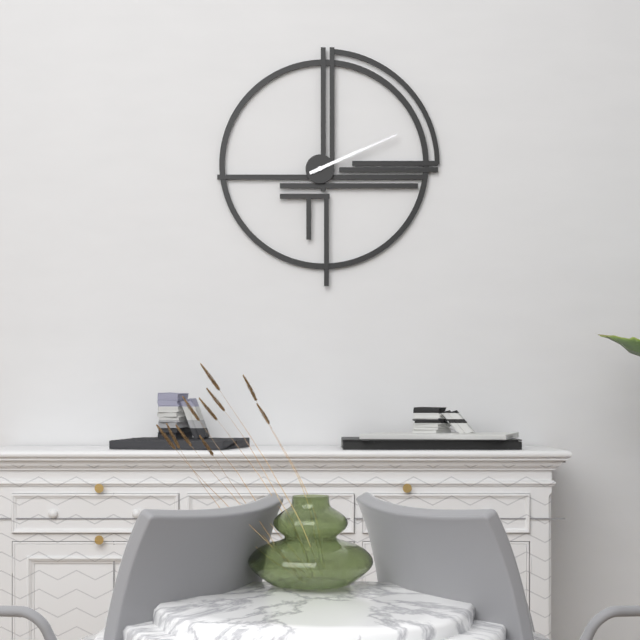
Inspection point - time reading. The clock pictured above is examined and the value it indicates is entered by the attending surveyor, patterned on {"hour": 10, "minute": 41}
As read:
{"hour": 2, "minute": 11}
